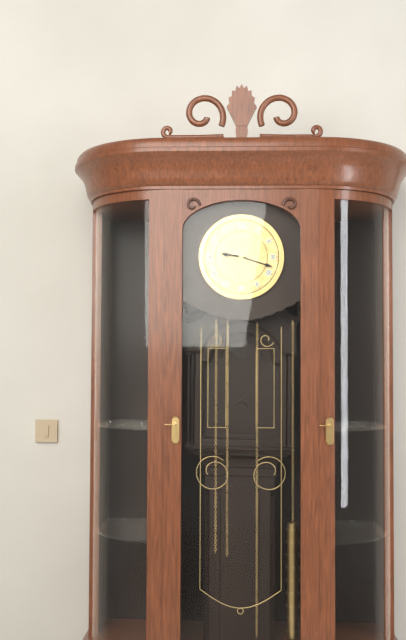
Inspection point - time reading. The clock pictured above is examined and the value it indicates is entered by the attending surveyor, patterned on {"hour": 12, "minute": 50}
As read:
{"hour": 9, "minute": 18}
